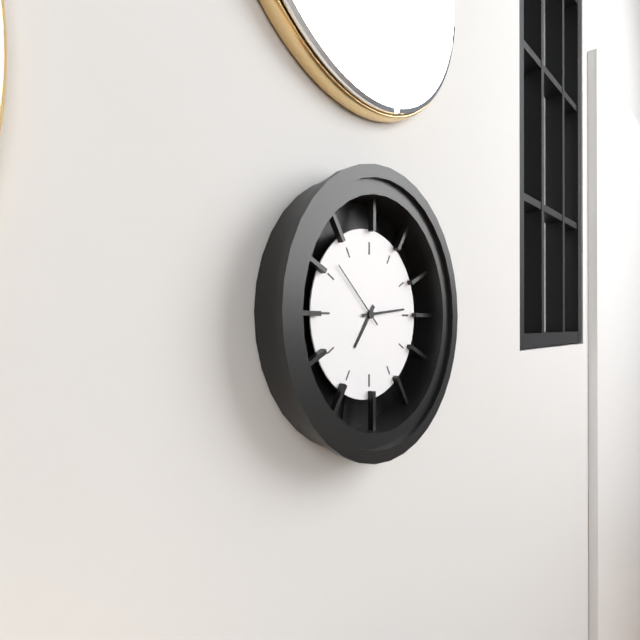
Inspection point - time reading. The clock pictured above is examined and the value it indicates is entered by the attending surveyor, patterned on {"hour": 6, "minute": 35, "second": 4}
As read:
{"hour": 7, "minute": 14, "second": 52}
